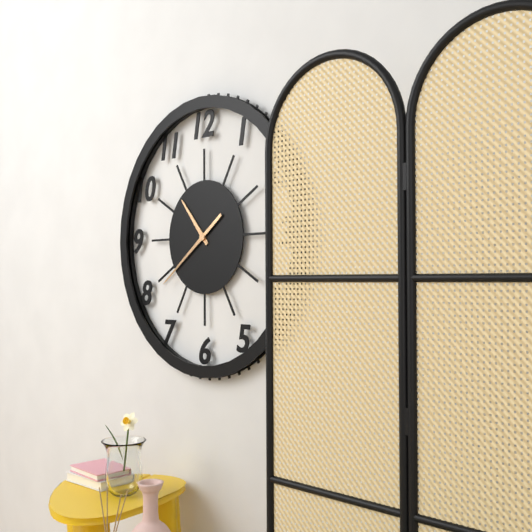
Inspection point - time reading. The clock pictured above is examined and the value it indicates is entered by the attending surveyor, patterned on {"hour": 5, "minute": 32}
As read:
{"hour": 10, "minute": 39}
